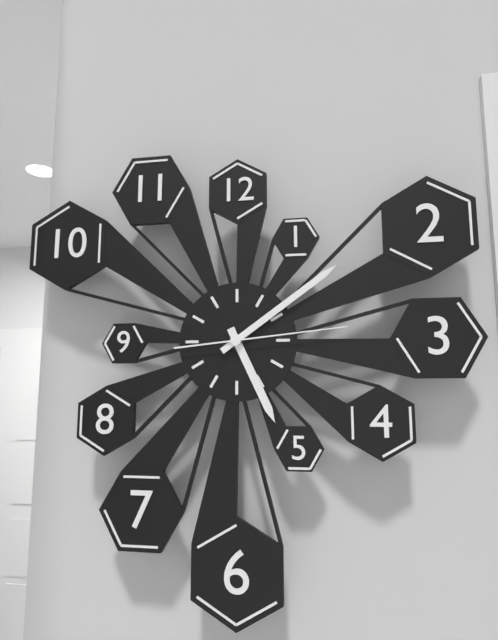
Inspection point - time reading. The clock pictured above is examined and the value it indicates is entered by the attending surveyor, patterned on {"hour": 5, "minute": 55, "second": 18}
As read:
{"hour": 5, "minute": 9, "second": 14}
